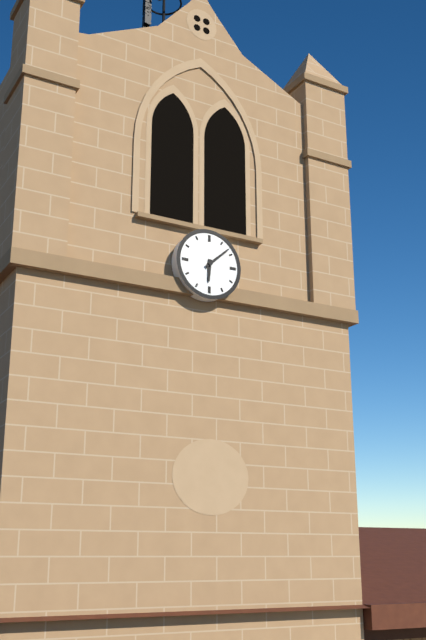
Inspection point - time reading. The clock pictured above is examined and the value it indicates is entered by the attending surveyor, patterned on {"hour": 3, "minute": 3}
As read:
{"hour": 6, "minute": 8}
